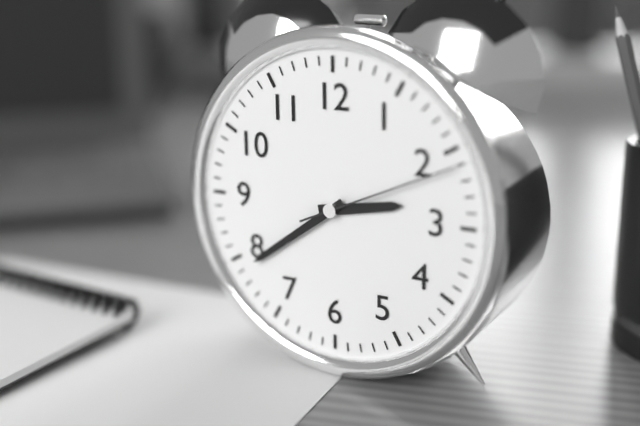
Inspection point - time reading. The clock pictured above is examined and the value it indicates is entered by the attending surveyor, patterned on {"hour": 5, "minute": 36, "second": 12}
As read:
{"hour": 2, "minute": 39, "second": 11}
